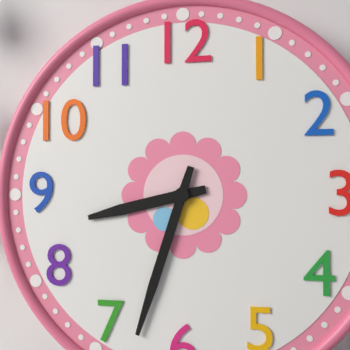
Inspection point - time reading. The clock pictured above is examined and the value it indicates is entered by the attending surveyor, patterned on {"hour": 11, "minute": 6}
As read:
{"hour": 8, "minute": 33}
